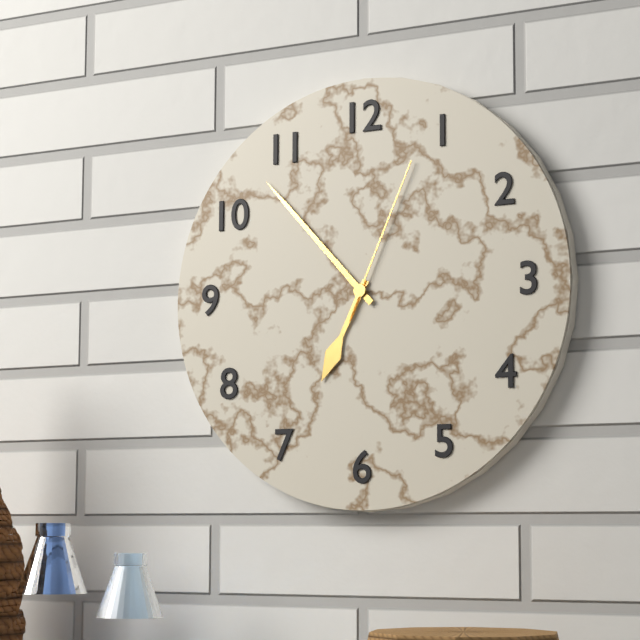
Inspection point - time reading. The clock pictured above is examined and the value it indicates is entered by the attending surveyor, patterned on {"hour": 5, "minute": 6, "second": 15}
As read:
{"hour": 6, "minute": 53, "second": 4}
